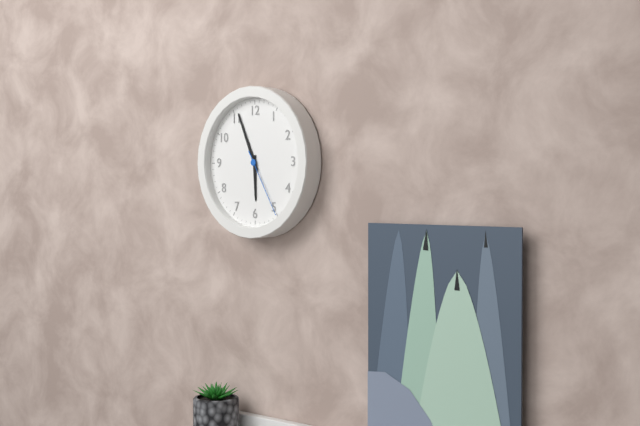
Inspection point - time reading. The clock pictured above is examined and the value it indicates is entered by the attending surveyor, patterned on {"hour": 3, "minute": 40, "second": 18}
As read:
{"hour": 5, "minute": 56, "second": 25}
